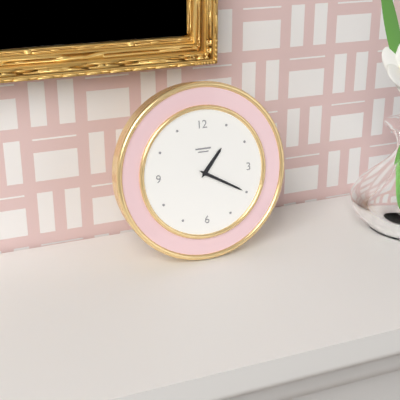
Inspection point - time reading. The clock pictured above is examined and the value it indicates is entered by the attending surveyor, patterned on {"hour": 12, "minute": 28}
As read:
{"hour": 1, "minute": 20}
